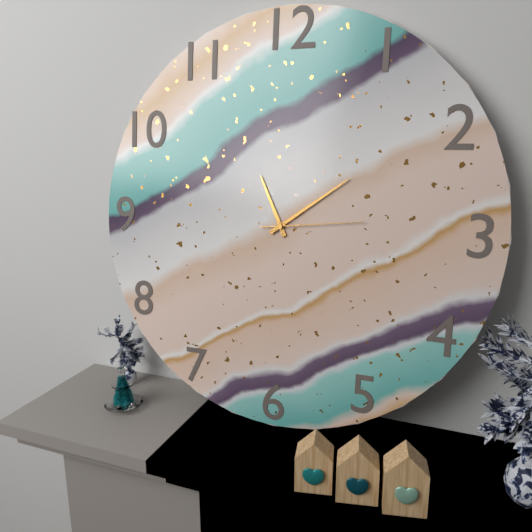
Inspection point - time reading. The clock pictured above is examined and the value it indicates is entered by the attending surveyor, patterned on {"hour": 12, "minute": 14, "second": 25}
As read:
{"hour": 11, "minute": 9, "second": 14}
